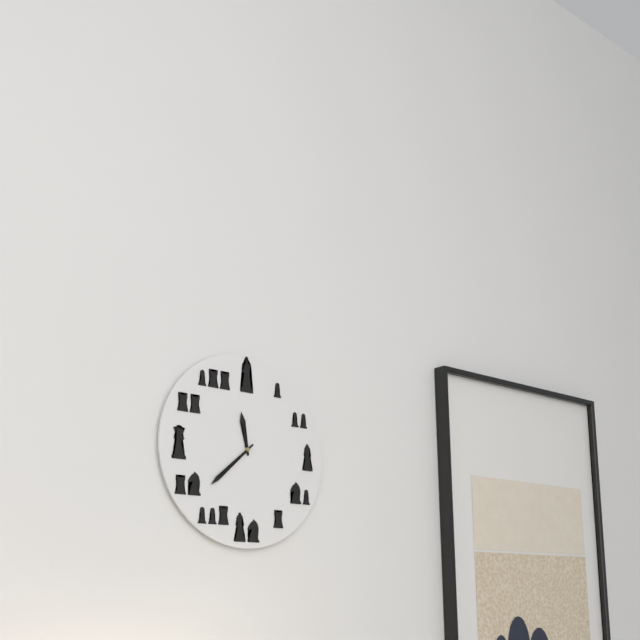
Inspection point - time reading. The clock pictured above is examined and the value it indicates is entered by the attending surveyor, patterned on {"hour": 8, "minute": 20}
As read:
{"hour": 11, "minute": 38}
